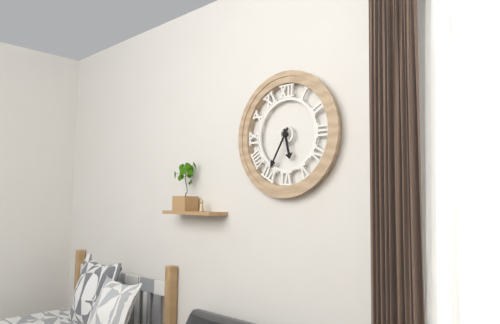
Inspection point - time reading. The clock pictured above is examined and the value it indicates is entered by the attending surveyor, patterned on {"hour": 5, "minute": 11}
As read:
{"hour": 5, "minute": 35}
